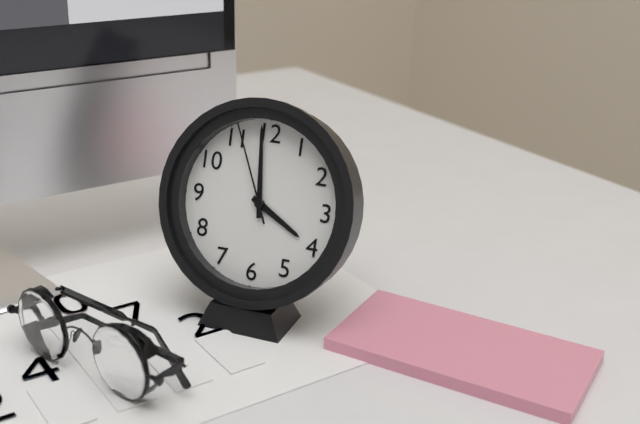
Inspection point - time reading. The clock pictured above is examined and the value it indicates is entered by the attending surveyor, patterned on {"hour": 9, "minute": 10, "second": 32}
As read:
{"hour": 3, "minute": 59, "second": 56}
